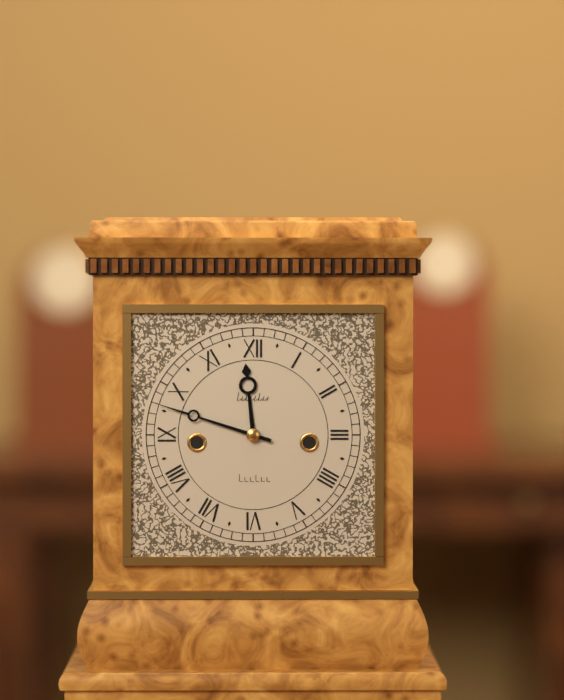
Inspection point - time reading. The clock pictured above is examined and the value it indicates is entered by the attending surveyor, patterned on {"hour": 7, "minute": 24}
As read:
{"hour": 11, "minute": 48}
